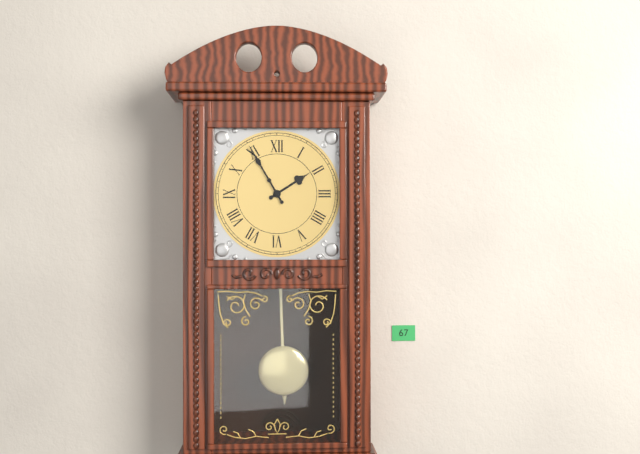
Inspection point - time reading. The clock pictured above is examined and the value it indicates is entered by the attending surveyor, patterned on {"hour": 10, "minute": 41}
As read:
{"hour": 1, "minute": 55}
